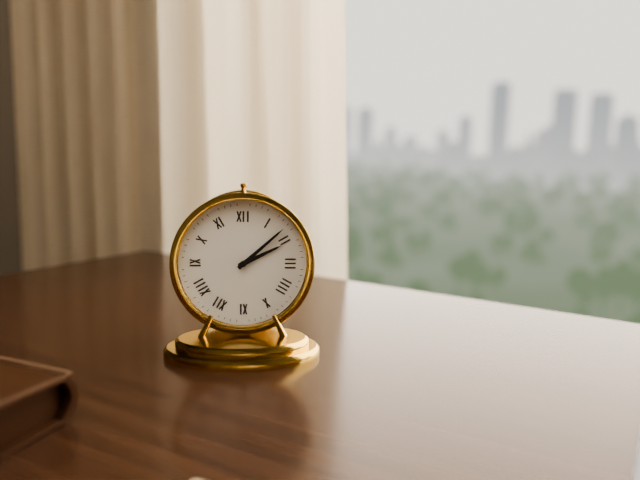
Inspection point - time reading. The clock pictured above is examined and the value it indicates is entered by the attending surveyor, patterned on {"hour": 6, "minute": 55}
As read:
{"hour": 2, "minute": 8}
